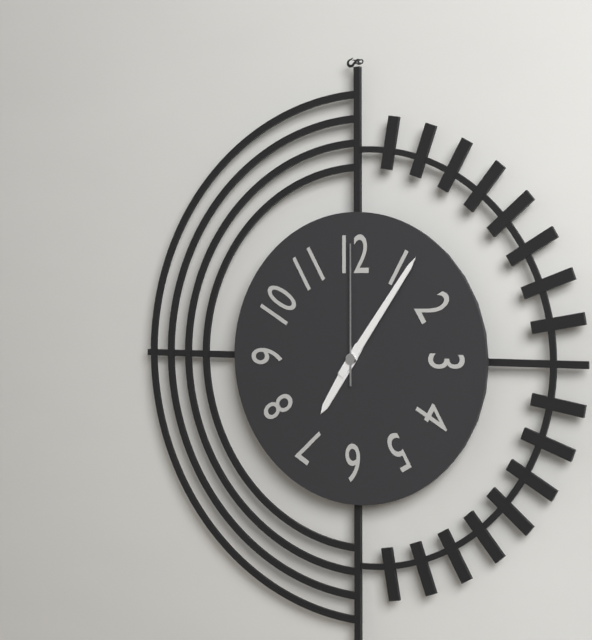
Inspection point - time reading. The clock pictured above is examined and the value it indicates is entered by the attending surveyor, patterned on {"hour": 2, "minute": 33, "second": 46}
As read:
{"hour": 7, "minute": 6, "second": 0}
